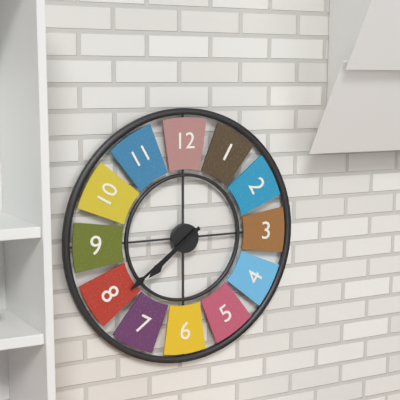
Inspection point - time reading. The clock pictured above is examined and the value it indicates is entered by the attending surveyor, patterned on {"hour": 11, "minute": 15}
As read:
{"hour": 7, "minute": 39}
